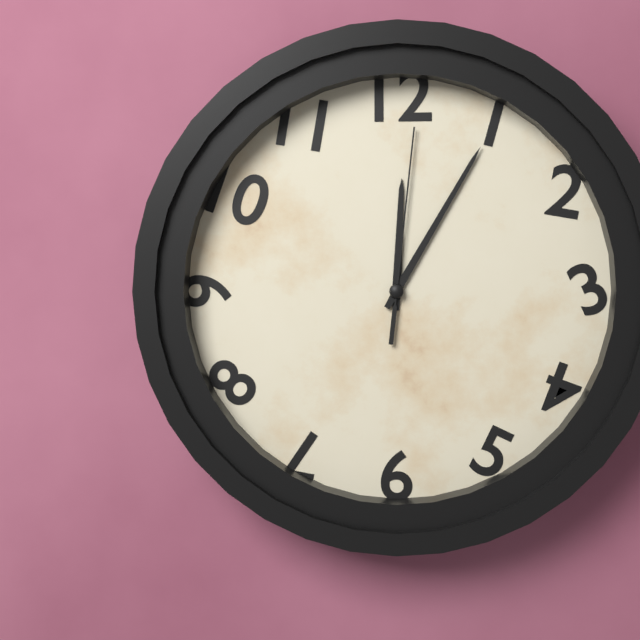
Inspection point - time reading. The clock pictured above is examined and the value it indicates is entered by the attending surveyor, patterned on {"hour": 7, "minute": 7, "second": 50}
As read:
{"hour": 12, "minute": 5, "second": 1}
